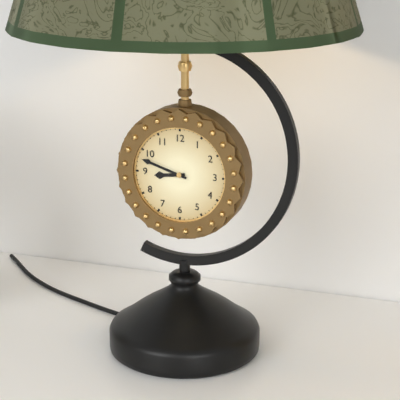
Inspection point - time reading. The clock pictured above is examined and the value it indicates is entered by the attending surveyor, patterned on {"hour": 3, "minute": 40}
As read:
{"hour": 8, "minute": 48}
